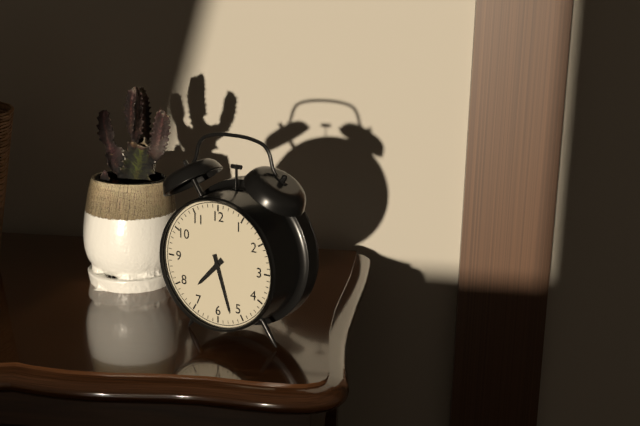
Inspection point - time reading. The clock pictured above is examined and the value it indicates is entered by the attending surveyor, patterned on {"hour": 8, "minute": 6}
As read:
{"hour": 7, "minute": 27}
